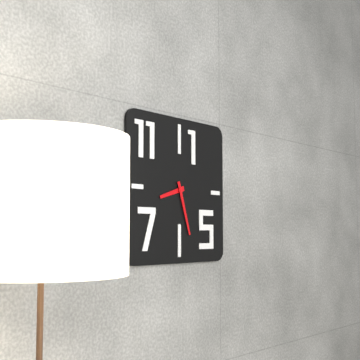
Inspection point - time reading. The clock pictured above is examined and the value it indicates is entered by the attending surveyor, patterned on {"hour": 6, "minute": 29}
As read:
{"hour": 8, "minute": 27}
